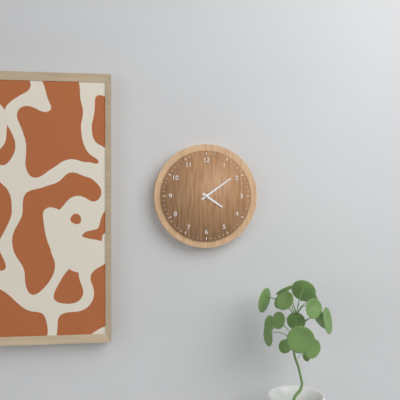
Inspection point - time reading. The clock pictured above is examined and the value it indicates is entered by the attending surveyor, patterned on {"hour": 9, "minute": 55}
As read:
{"hour": 4, "minute": 9}
